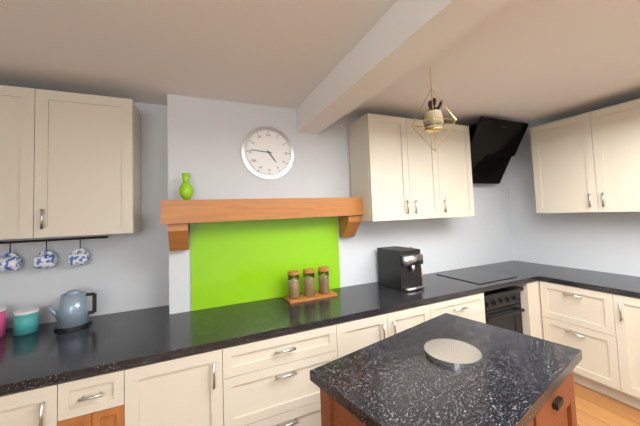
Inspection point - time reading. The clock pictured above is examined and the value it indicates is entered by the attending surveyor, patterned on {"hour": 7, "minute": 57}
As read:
{"hour": 4, "minute": 46}
